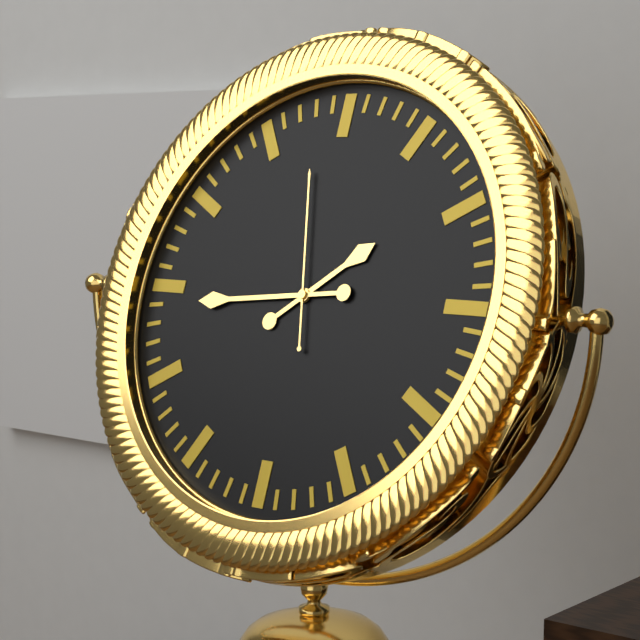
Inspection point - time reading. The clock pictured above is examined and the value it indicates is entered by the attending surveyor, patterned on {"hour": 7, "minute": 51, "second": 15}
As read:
{"hour": 1, "minute": 44, "second": 58}
